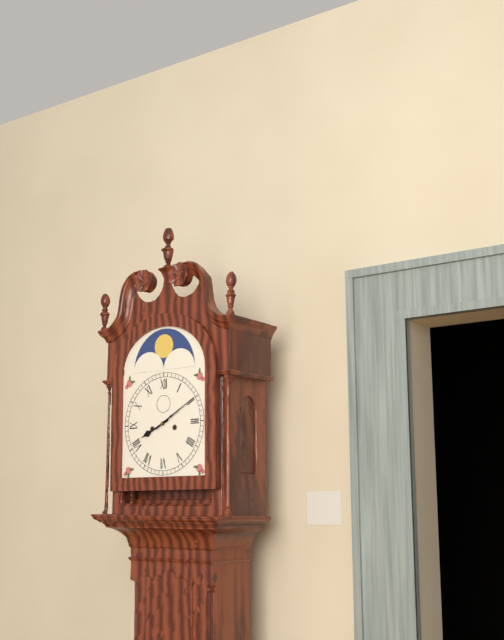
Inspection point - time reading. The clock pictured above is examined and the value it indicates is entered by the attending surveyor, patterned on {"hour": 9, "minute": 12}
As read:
{"hour": 8, "minute": 10}
